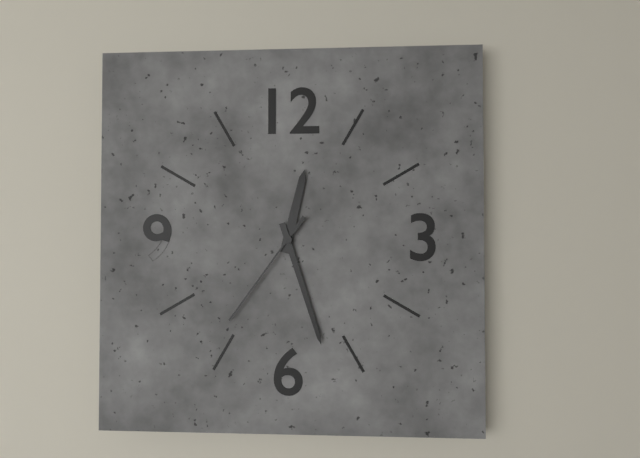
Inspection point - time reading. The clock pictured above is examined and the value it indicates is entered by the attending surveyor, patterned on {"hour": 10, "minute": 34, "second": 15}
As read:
{"hour": 12, "minute": 27, "second": 36}
